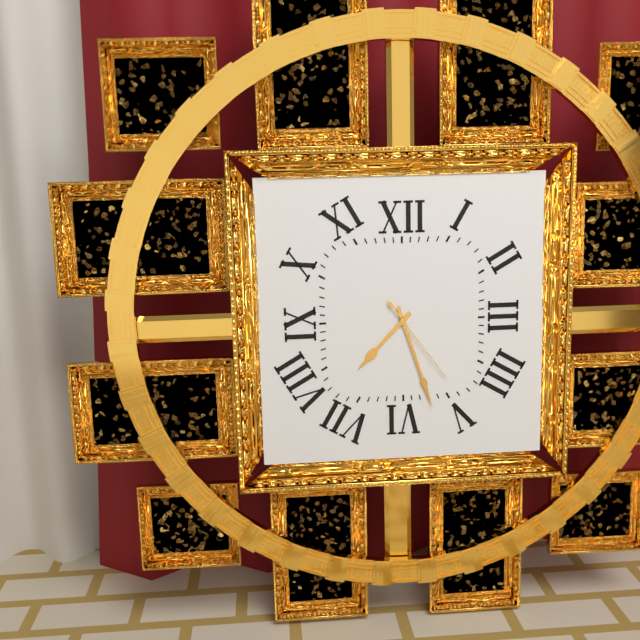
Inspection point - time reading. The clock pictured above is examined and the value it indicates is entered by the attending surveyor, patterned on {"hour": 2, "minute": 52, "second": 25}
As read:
{"hour": 7, "minute": 27, "second": 24}
